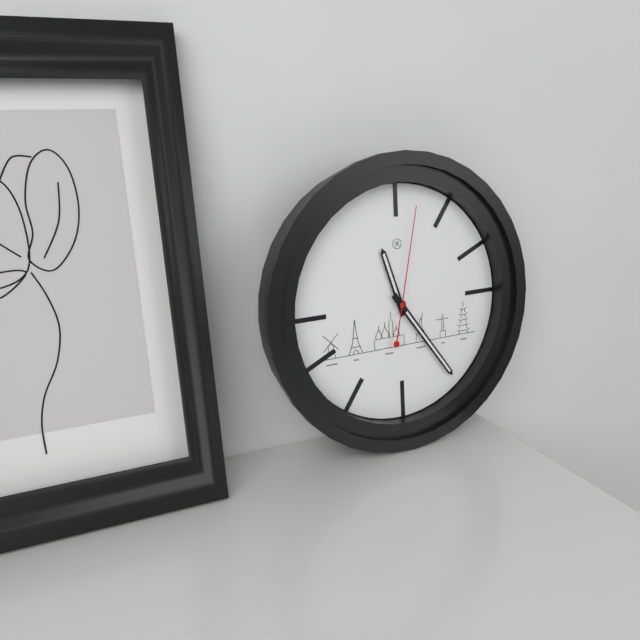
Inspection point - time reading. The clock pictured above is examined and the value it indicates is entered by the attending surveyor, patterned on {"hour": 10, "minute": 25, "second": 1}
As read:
{"hour": 11, "minute": 24, "second": 2}
